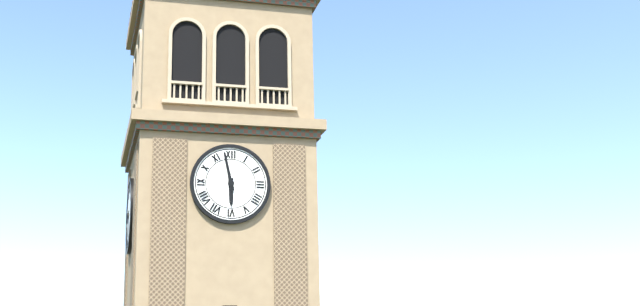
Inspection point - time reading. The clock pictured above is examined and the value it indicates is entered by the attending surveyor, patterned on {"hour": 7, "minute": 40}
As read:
{"hour": 5, "minute": 58}
